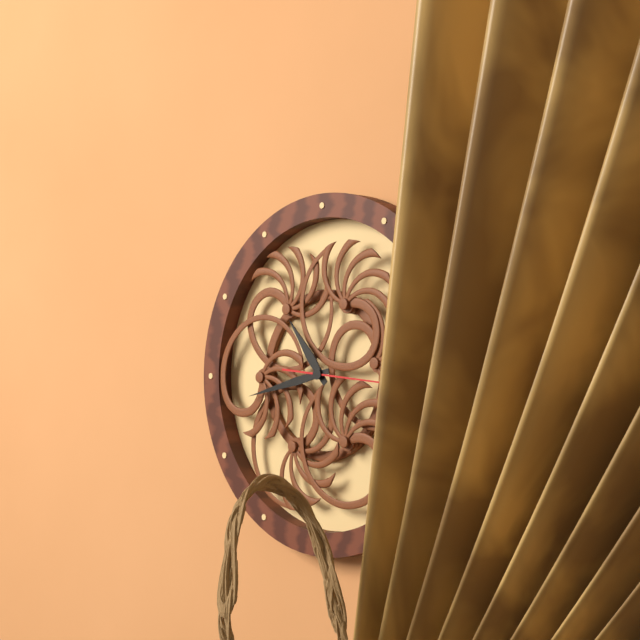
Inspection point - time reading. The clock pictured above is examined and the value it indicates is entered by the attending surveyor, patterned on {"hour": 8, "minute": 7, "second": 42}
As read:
{"hour": 10, "minute": 43, "second": 16}
